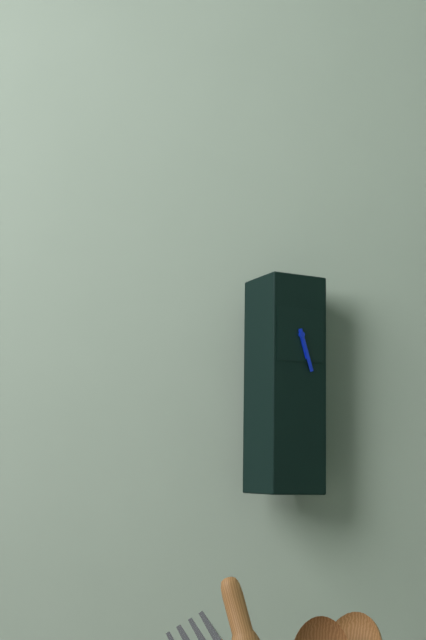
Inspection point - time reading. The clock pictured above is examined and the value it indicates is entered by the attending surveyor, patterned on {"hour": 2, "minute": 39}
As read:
{"hour": 5, "minute": 27}
